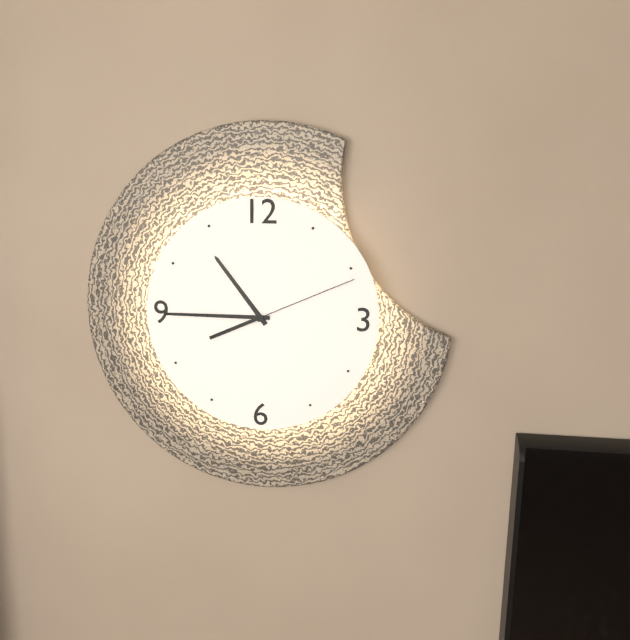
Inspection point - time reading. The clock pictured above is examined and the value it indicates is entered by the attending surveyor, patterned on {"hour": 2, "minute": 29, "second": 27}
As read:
{"hour": 10, "minute": 45, "second": 11}
